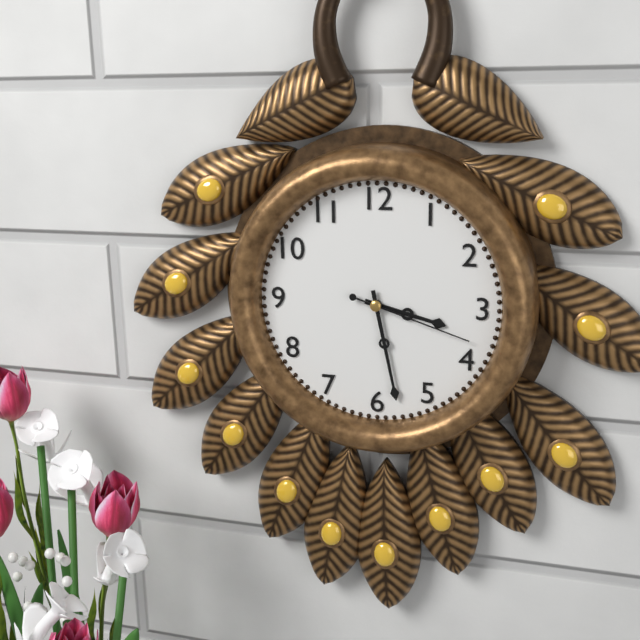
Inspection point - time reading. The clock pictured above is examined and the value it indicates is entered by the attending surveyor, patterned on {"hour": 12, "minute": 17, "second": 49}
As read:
{"hour": 3, "minute": 28, "second": 18}
